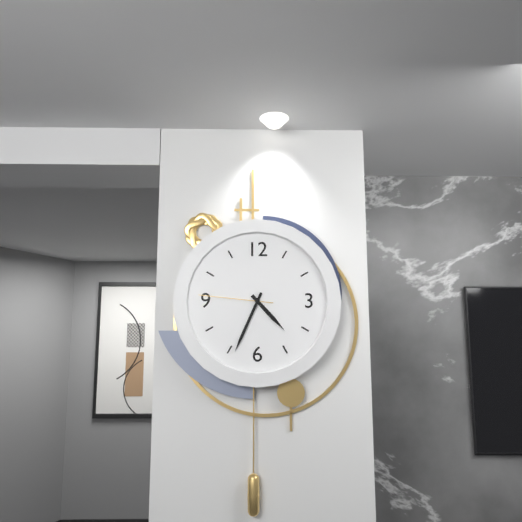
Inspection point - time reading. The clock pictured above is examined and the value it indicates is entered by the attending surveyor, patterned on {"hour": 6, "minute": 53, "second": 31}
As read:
{"hour": 4, "minute": 34, "second": 46}
